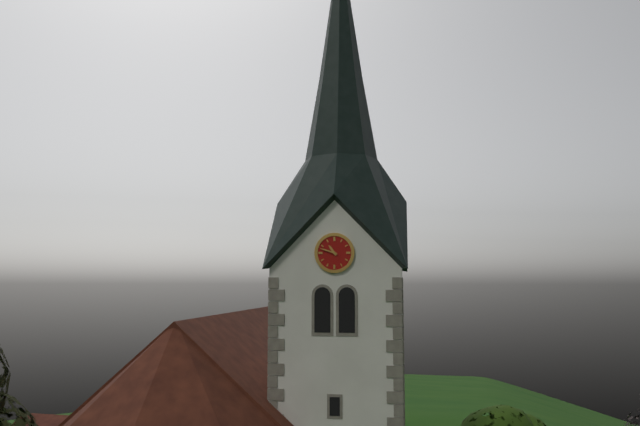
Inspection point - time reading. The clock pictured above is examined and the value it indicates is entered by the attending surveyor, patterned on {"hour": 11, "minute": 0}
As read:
{"hour": 10, "minute": 48}
